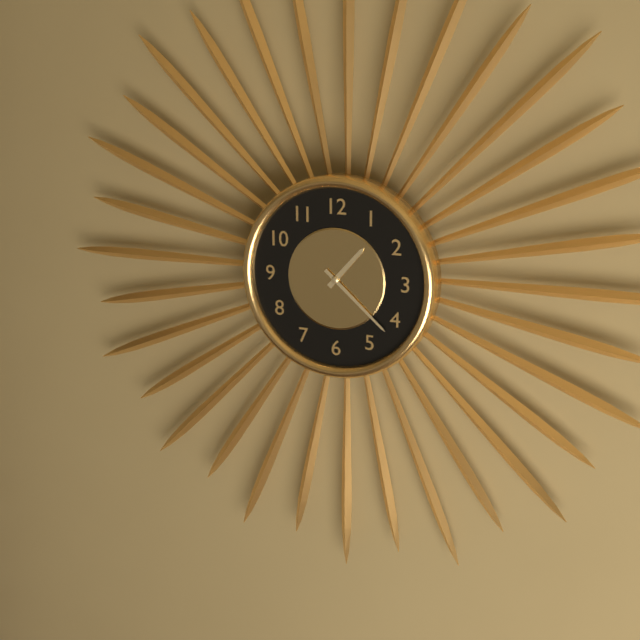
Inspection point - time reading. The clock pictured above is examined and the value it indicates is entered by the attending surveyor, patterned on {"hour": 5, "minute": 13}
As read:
{"hour": 1, "minute": 22}
